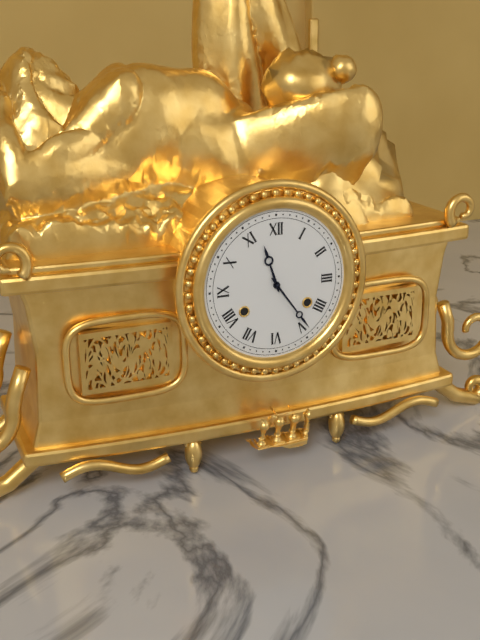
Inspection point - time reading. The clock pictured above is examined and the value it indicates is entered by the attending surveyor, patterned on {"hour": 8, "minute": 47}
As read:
{"hour": 11, "minute": 24}
